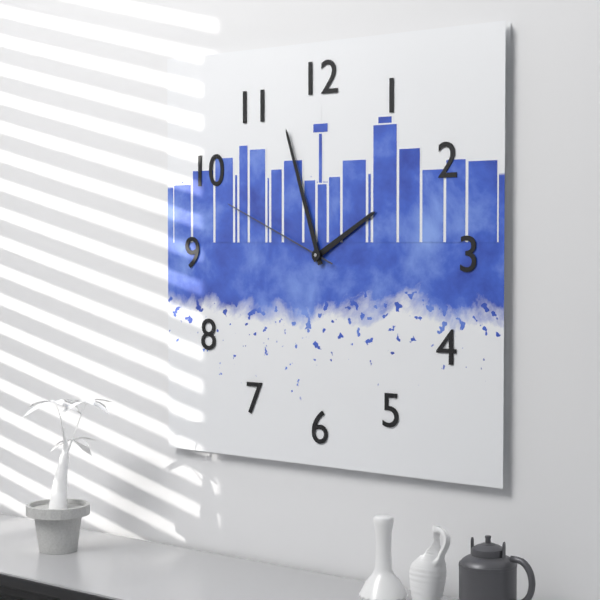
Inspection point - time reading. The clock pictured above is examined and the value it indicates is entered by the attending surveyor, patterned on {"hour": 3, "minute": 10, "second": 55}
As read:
{"hour": 1, "minute": 57, "second": 49}
